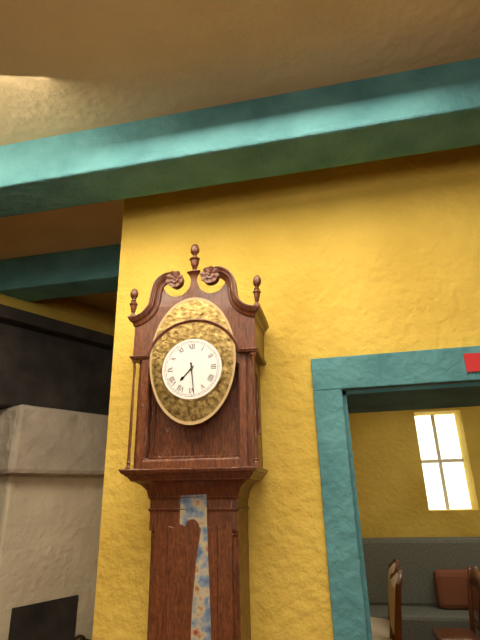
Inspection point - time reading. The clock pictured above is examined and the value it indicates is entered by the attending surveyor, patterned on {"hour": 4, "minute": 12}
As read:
{"hour": 7, "minute": 29}
